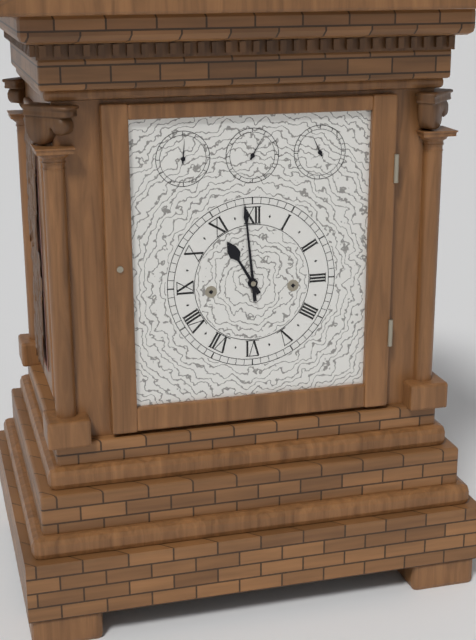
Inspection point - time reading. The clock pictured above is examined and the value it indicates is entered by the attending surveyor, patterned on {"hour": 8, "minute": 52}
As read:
{"hour": 10, "minute": 59}
